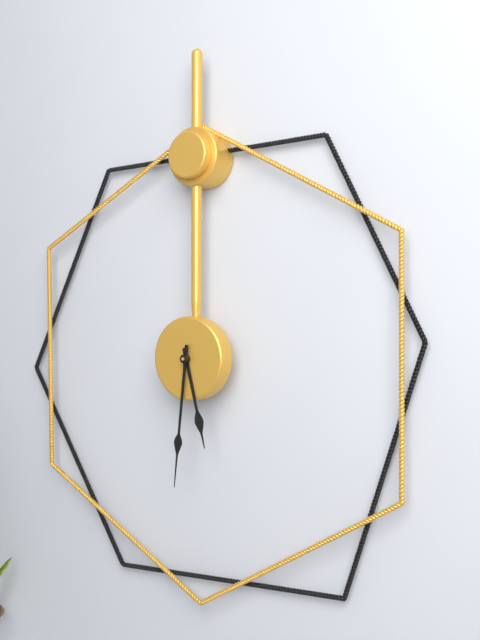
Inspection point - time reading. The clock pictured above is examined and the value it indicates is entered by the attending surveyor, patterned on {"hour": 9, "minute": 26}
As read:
{"hour": 5, "minute": 31}
